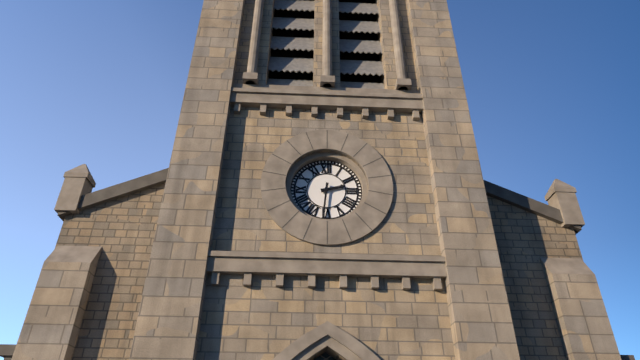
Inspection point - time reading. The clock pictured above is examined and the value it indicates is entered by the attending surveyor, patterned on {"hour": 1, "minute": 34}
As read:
{"hour": 2, "minute": 31}
